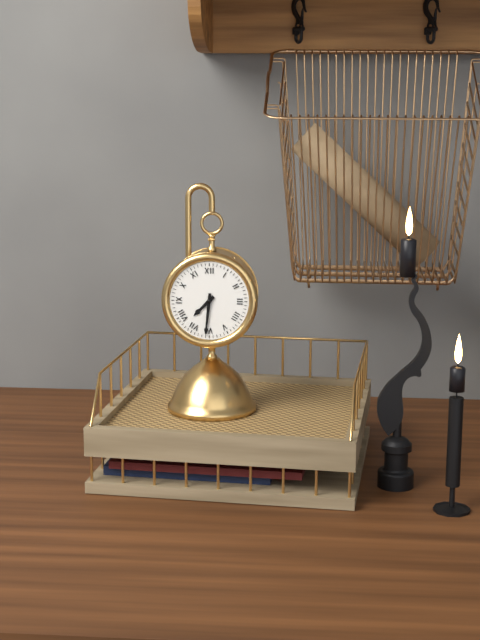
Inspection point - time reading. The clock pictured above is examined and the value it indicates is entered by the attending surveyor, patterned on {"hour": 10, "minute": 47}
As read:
{"hour": 7, "minute": 31}
